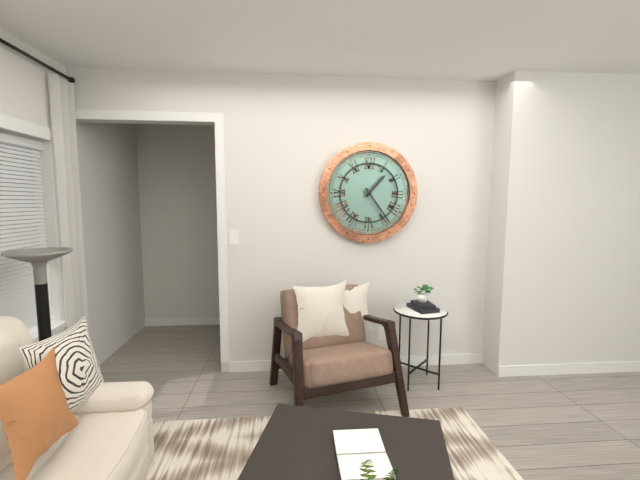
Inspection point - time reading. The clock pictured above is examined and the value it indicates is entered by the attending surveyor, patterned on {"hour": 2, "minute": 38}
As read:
{"hour": 1, "minute": 24}
